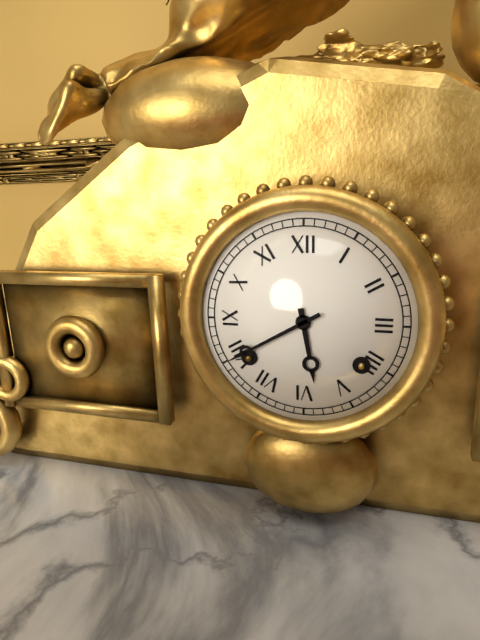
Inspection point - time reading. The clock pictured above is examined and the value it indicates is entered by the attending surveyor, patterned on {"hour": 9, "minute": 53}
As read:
{"hour": 5, "minute": 40}
